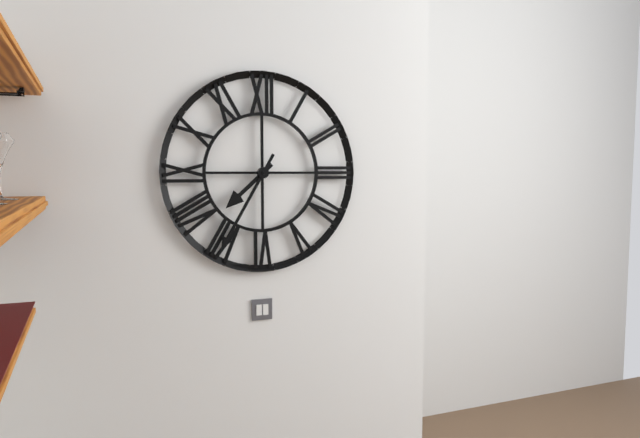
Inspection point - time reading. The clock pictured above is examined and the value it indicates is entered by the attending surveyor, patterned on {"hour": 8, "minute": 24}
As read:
{"hour": 7, "minute": 35}
